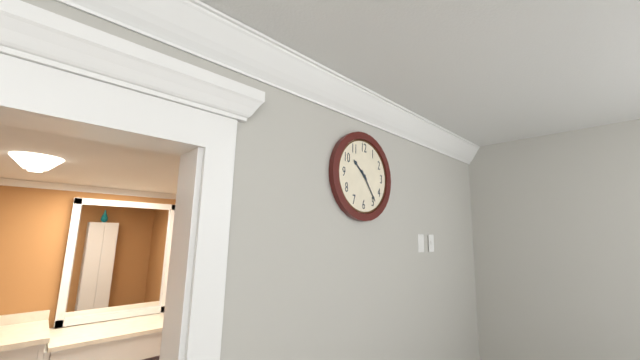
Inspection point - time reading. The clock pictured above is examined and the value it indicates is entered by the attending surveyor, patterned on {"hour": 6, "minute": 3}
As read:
{"hour": 10, "minute": 24}
